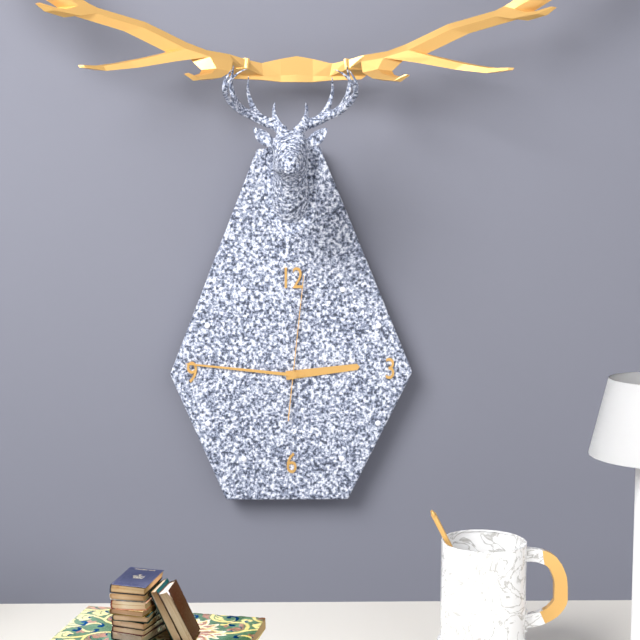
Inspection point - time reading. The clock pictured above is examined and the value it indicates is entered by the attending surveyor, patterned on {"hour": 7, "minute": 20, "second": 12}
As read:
{"hour": 2, "minute": 46, "second": 1}
